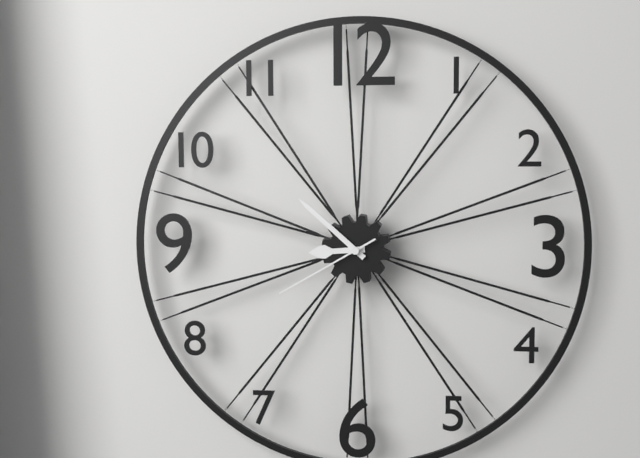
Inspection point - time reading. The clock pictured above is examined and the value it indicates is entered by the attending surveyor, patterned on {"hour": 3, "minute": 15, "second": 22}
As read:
{"hour": 8, "minute": 52, "second": 40}
